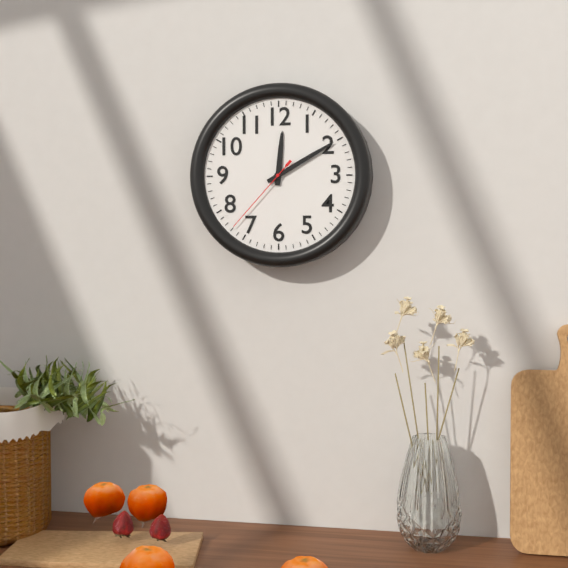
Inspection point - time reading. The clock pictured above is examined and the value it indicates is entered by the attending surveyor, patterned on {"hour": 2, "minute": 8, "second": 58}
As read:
{"hour": 12, "minute": 10, "second": 37}
